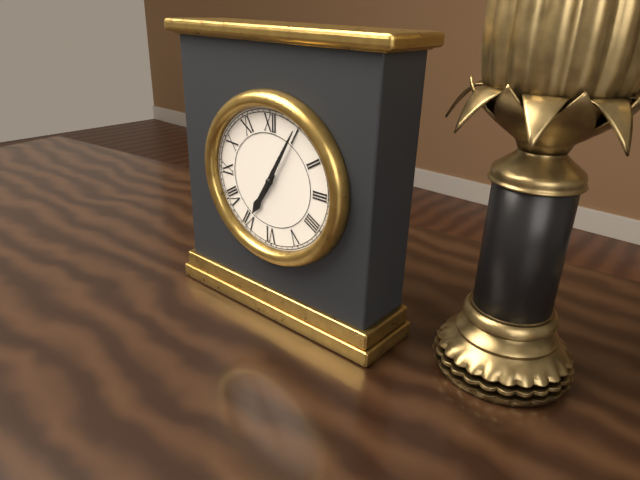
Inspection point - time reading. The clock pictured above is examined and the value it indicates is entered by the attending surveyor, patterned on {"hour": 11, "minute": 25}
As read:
{"hour": 7, "minute": 5}
